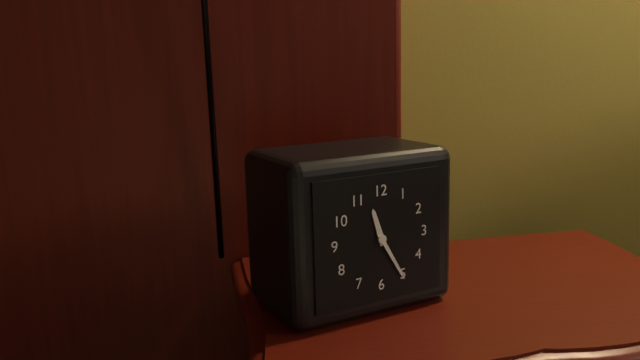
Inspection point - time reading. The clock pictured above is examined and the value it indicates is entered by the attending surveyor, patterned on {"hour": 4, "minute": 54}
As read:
{"hour": 11, "minute": 25}
